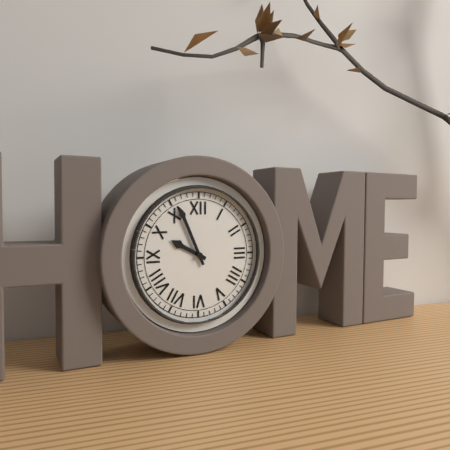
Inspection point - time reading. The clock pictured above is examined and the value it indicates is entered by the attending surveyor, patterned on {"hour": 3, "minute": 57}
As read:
{"hour": 9, "minute": 56}
